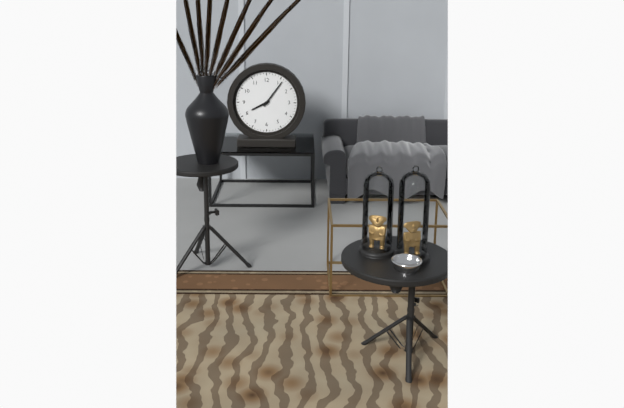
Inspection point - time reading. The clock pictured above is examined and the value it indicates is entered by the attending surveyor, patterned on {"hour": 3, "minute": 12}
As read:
{"hour": 8, "minute": 6}
